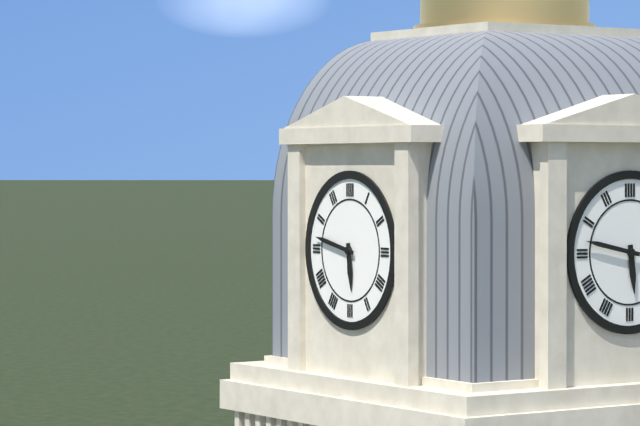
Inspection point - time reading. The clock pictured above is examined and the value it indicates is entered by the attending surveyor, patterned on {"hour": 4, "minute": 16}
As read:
{"hour": 5, "minute": 47}
